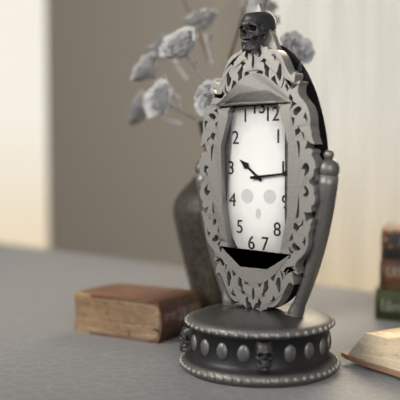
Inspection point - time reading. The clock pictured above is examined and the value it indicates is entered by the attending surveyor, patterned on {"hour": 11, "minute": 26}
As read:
{"hour": 10, "minute": 14}
